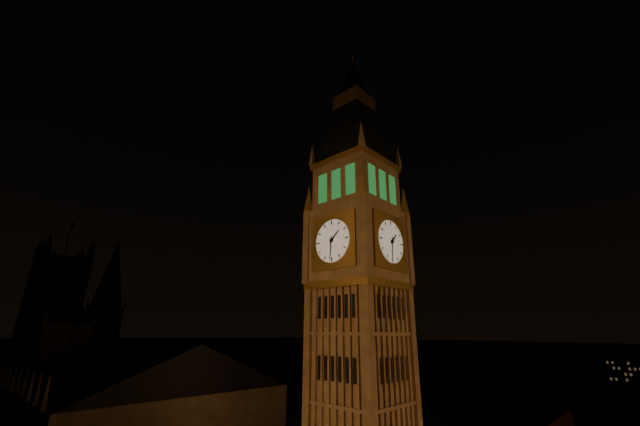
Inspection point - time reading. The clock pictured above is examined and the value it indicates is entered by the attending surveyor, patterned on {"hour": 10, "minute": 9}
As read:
{"hour": 1, "minute": 31}
